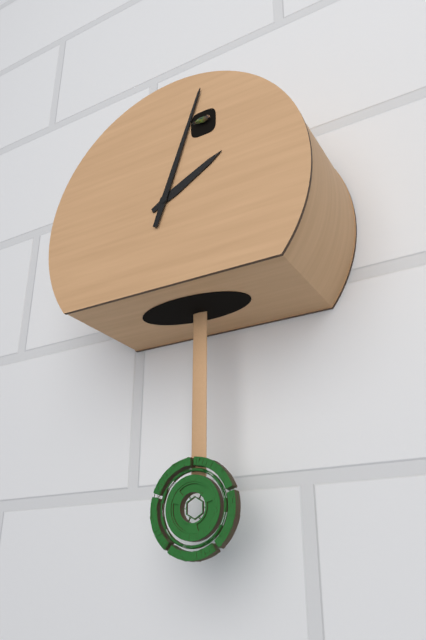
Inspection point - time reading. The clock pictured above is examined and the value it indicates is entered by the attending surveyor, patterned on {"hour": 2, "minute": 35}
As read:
{"hour": 2, "minute": 3}
